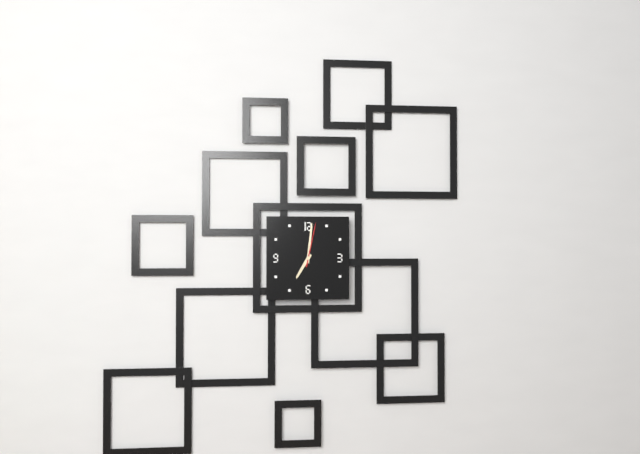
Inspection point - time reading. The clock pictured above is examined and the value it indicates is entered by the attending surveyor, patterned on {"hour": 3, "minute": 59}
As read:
{"hour": 7, "minute": 1}
